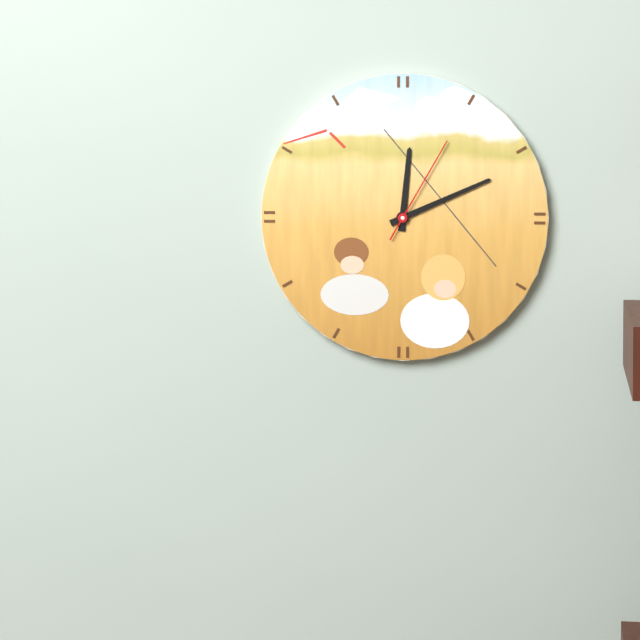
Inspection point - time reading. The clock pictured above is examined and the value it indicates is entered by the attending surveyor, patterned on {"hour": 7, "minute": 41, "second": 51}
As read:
{"hour": 12, "minute": 11, "second": 5}
